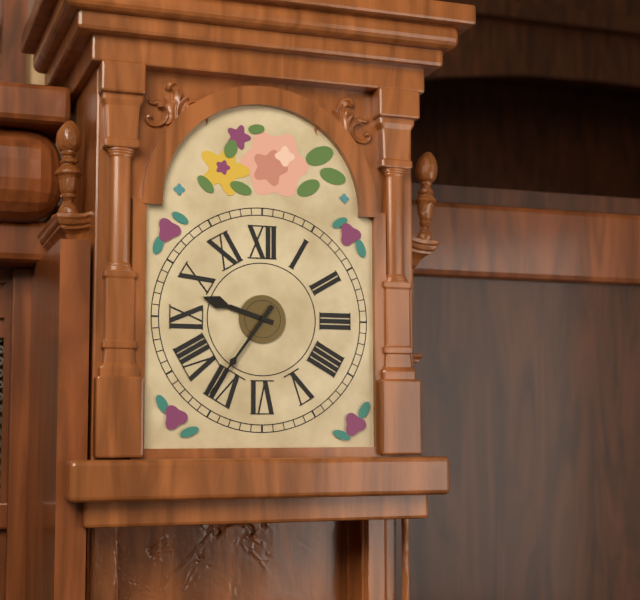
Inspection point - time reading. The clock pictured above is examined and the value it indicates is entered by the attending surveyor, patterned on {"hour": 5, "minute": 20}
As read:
{"hour": 9, "minute": 36}
